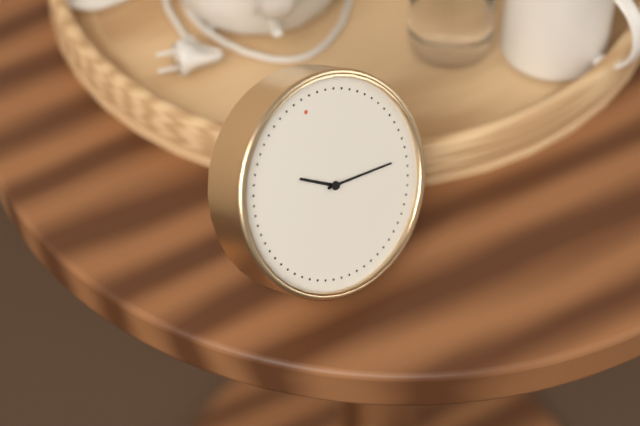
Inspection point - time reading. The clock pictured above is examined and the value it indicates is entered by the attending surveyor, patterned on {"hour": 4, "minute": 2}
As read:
{"hour": 10, "minute": 17}
